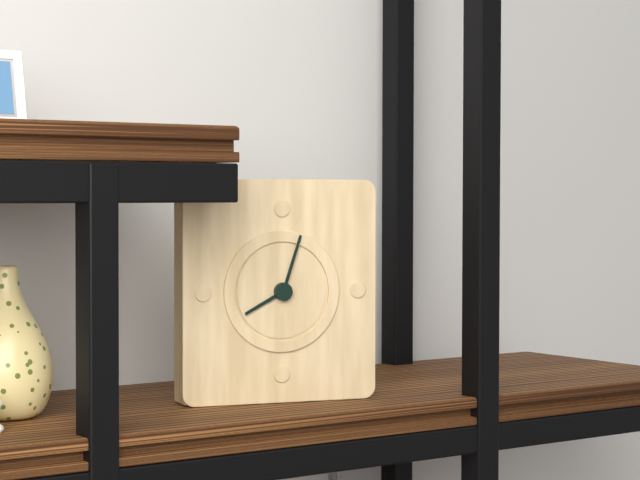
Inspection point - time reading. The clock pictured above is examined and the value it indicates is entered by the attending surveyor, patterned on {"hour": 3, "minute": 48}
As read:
{"hour": 8, "minute": 3}
